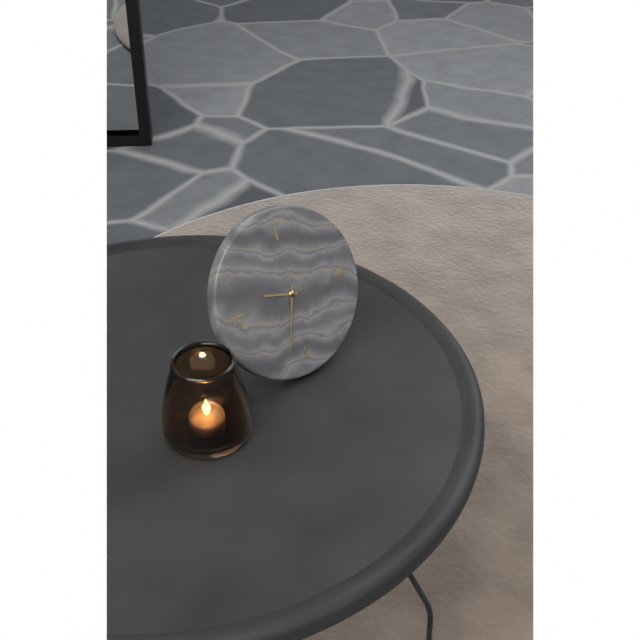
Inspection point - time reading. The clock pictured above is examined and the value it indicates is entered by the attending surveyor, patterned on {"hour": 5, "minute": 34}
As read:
{"hour": 9, "minute": 33}
